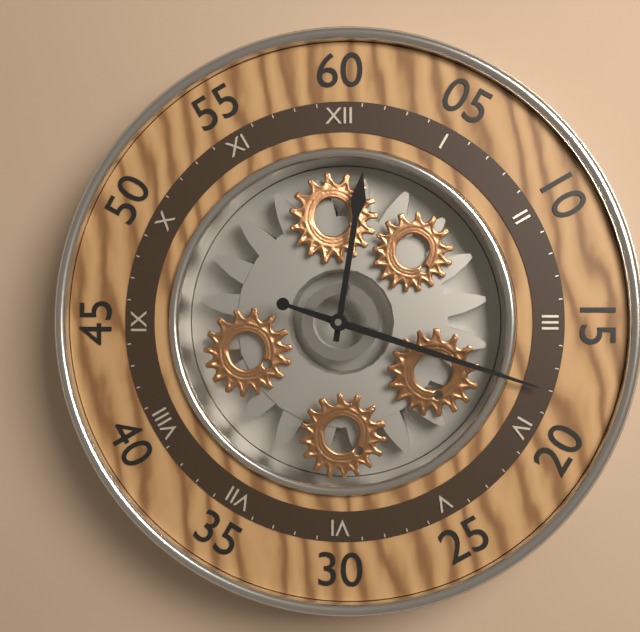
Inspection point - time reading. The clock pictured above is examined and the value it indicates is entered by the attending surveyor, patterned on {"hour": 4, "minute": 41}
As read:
{"hour": 12, "minute": 18}
